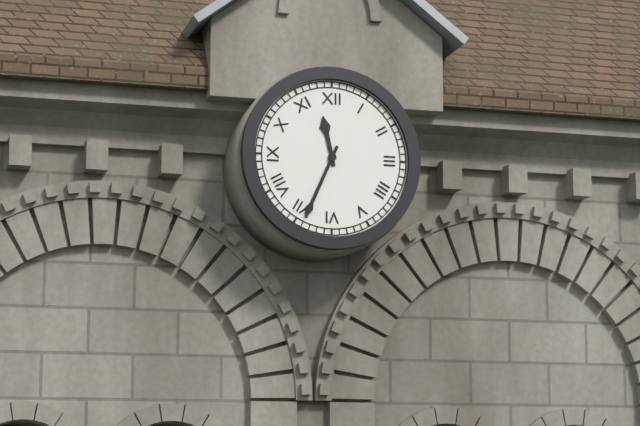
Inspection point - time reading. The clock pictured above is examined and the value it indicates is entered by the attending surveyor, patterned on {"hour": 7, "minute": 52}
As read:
{"hour": 11, "minute": 34}
